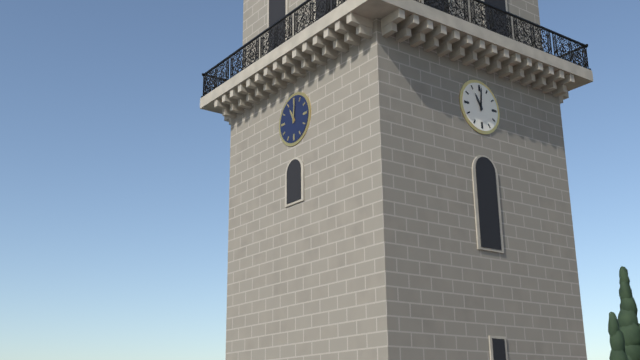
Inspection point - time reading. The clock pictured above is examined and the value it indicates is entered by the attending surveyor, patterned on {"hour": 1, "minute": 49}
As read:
{"hour": 11, "minute": 1}
